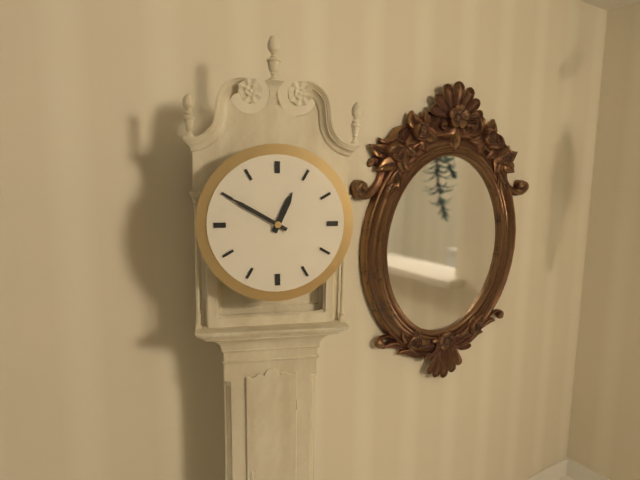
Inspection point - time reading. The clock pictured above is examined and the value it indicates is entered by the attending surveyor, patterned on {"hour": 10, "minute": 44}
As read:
{"hour": 12, "minute": 50}
